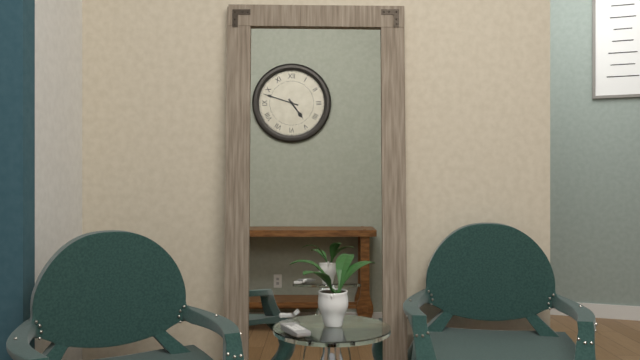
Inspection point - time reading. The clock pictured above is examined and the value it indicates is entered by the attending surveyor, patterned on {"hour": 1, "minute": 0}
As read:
{"hour": 4, "minute": 48}
